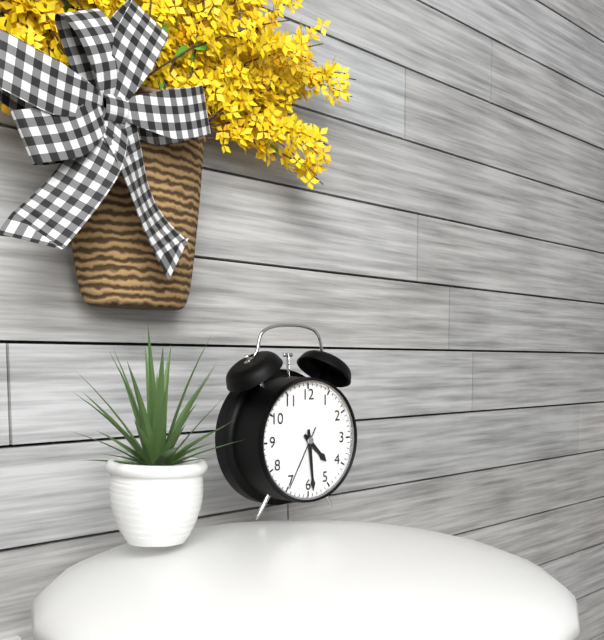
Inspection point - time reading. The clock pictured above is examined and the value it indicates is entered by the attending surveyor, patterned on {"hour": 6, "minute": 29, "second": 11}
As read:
{"hour": 4, "minute": 29, "second": 35}
